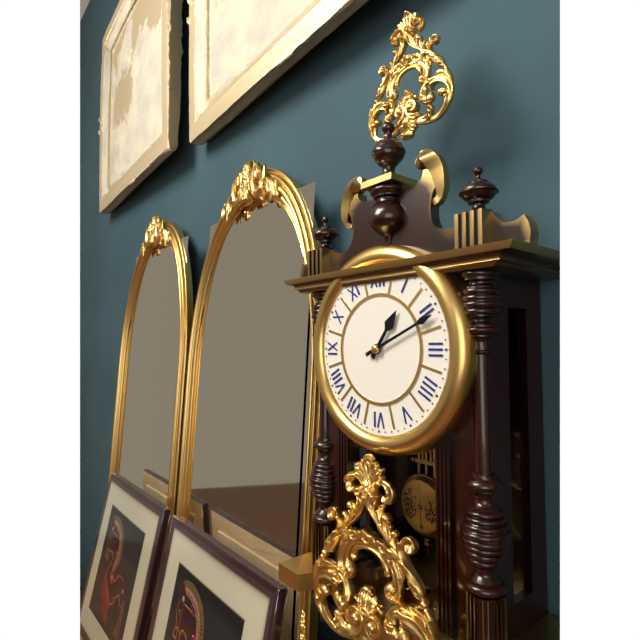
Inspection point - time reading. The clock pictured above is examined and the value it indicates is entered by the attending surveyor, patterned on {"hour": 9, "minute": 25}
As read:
{"hour": 1, "minute": 11}
